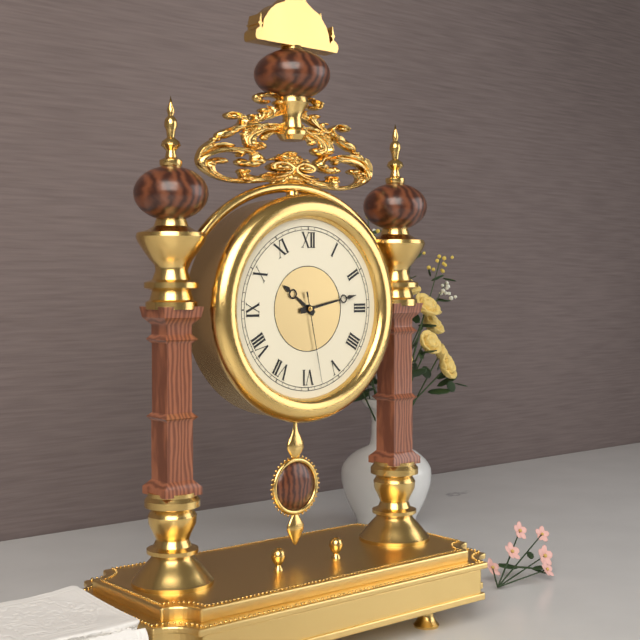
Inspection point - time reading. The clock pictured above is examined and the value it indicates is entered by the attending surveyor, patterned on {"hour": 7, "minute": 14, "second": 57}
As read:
{"hour": 10, "minute": 13, "second": 28}
